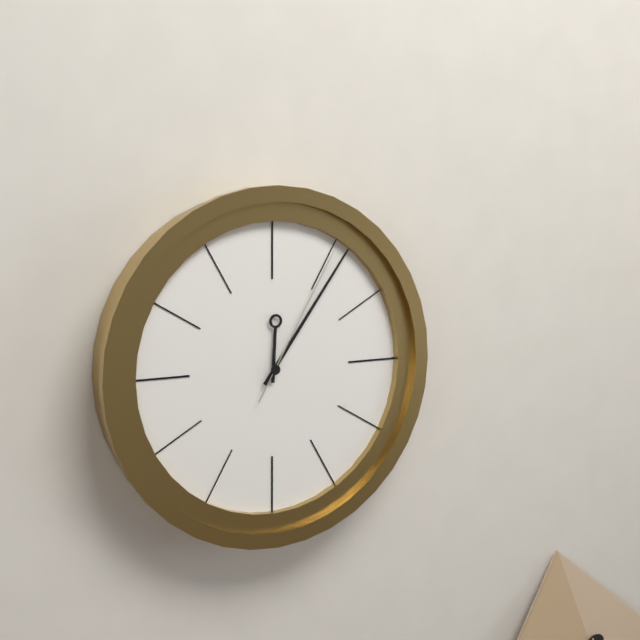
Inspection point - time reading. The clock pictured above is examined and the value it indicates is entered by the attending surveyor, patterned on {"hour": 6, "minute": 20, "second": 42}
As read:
{"hour": 12, "minute": 6, "second": 5}
